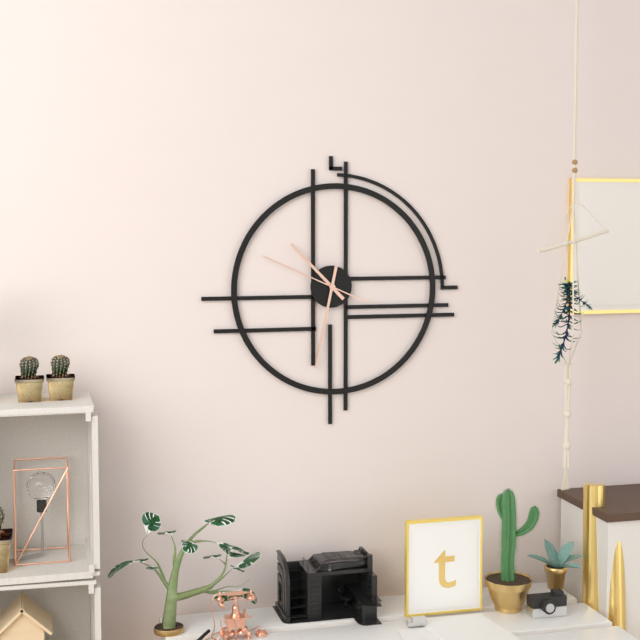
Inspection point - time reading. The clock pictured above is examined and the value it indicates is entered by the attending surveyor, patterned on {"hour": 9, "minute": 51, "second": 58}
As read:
{"hour": 10, "minute": 32, "second": 49}
